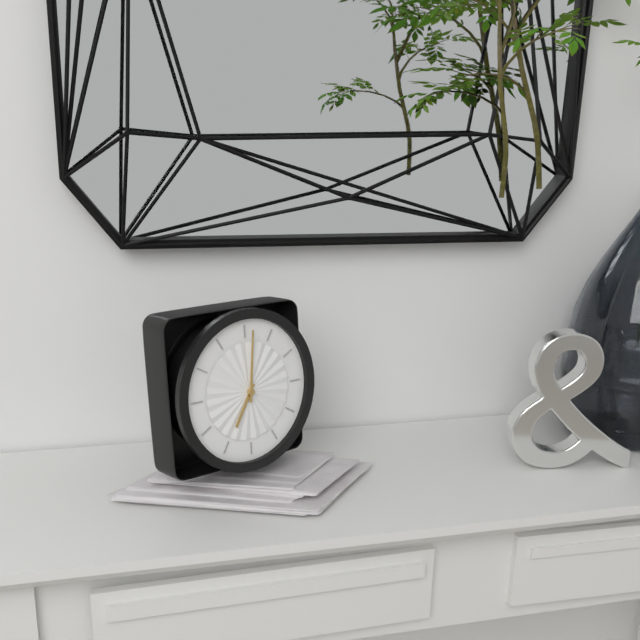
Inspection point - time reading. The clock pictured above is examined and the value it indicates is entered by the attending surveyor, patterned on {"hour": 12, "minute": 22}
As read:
{"hour": 7, "minute": 1}
